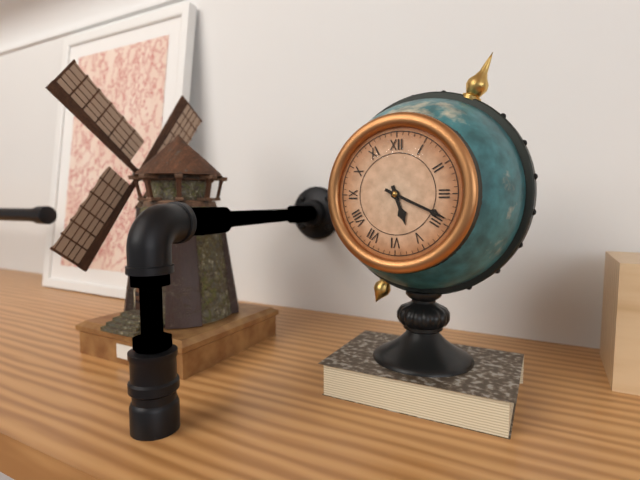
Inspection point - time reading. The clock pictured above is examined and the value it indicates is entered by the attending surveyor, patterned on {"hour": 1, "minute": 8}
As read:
{"hour": 5, "minute": 19}
